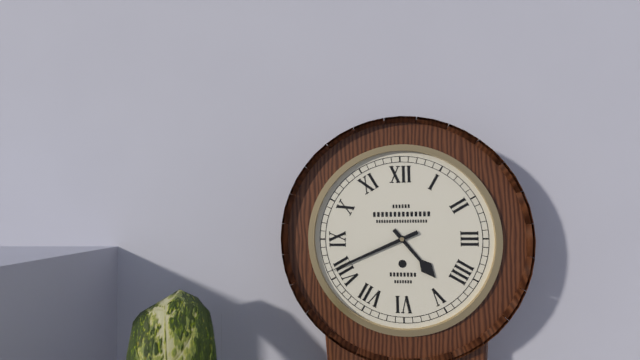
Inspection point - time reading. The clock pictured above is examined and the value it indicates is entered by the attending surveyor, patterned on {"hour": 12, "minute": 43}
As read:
{"hour": 4, "minute": 41}
